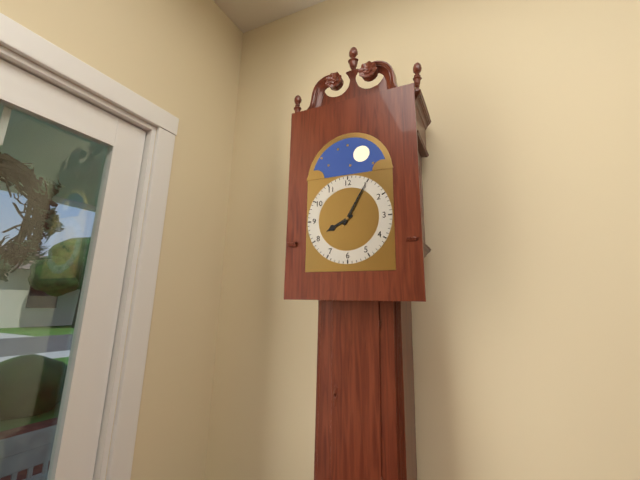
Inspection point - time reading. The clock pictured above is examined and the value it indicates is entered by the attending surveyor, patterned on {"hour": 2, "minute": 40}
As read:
{"hour": 8, "minute": 5}
